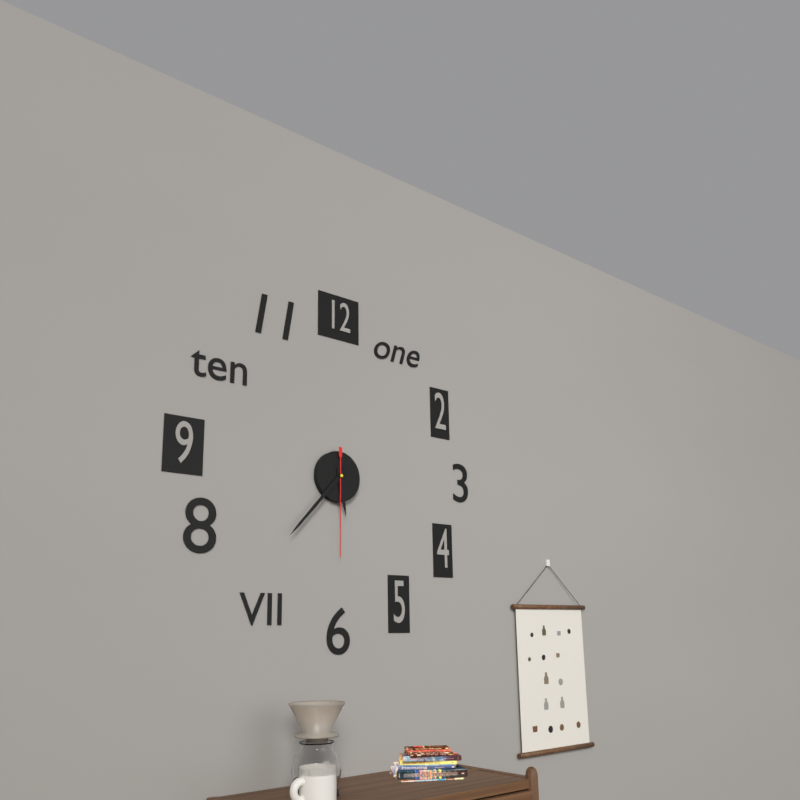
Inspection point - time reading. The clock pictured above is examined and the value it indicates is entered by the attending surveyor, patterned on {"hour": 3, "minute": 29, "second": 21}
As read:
{"hour": 5, "minute": 37, "second": 30}
